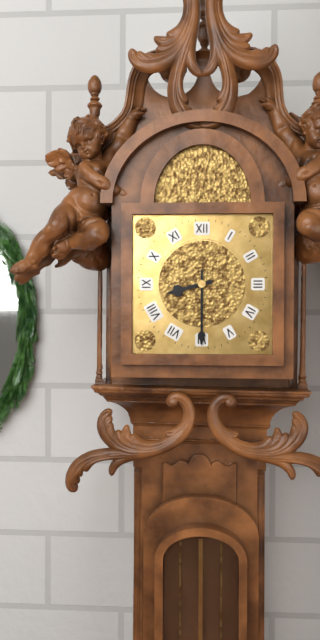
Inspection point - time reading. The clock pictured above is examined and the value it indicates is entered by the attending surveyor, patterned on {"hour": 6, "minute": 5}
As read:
{"hour": 8, "minute": 30}
